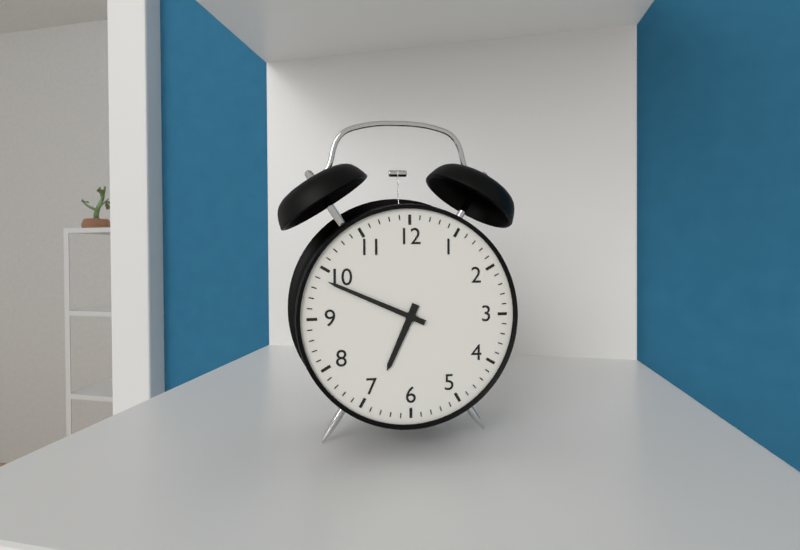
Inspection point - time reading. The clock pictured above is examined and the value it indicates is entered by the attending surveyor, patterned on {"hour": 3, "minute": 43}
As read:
{"hour": 6, "minute": 49}
